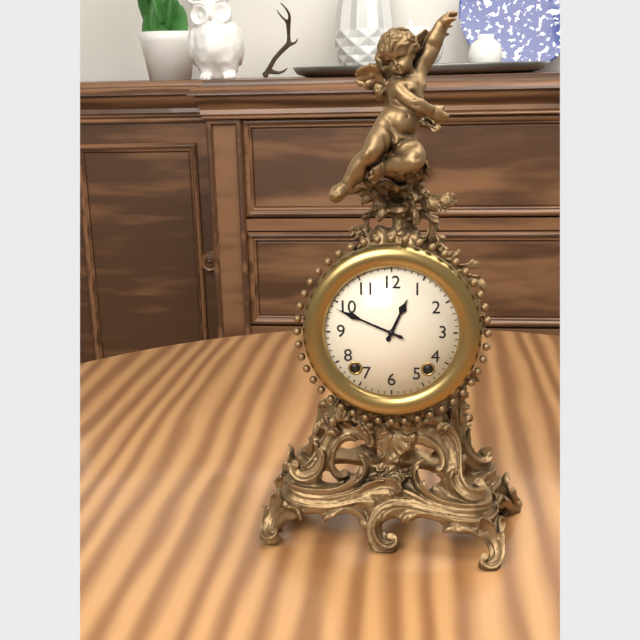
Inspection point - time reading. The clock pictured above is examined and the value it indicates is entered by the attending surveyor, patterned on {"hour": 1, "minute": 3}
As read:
{"hour": 12, "minute": 49}
